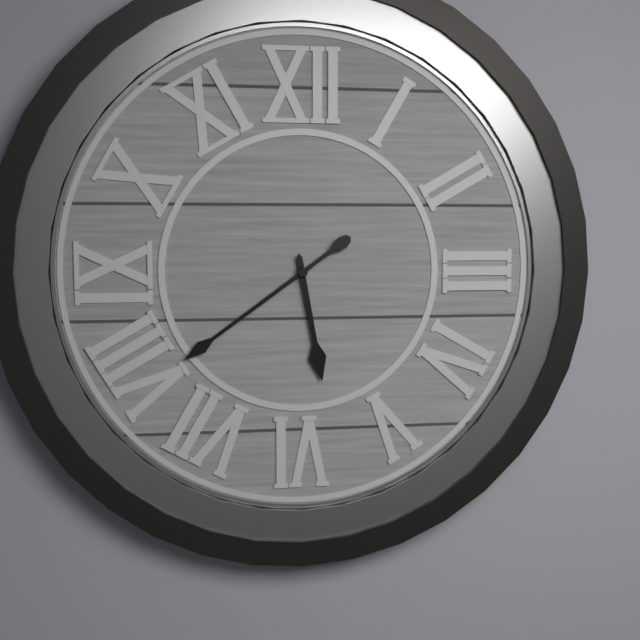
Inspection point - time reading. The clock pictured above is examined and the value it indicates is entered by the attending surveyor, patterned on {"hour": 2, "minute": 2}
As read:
{"hour": 5, "minute": 39}
